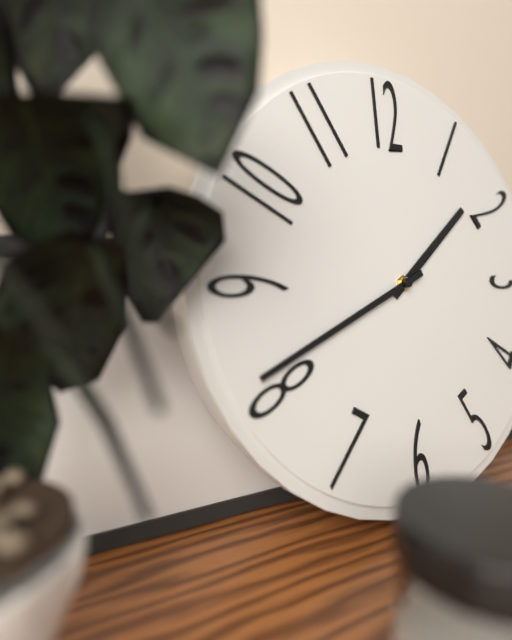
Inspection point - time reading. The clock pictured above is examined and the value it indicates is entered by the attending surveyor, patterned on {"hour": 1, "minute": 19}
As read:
{"hour": 1, "minute": 41}
